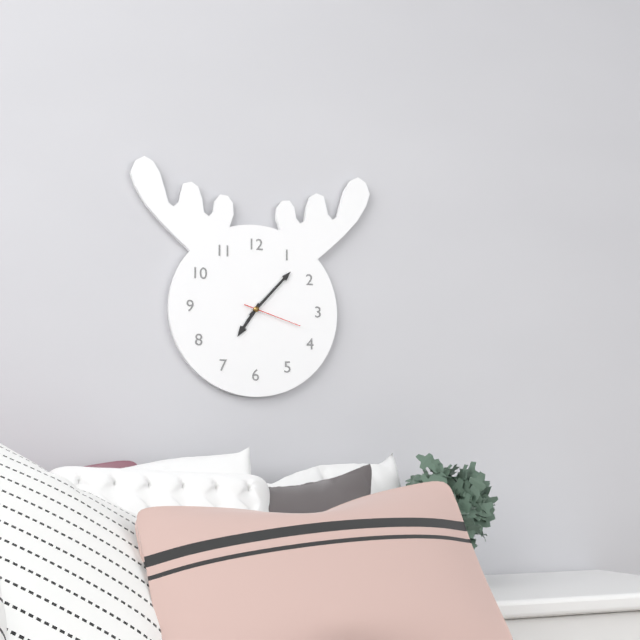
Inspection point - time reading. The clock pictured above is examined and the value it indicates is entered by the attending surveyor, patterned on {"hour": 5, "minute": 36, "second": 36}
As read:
{"hour": 7, "minute": 7, "second": 18}
